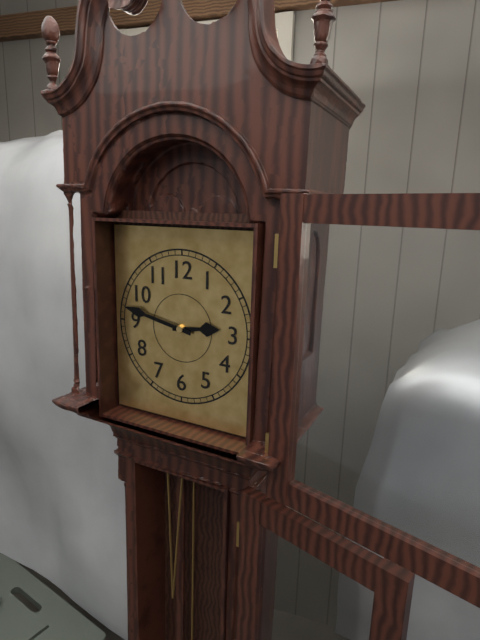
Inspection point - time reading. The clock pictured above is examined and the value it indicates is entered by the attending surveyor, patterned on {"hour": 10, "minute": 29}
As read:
{"hour": 2, "minute": 47}
